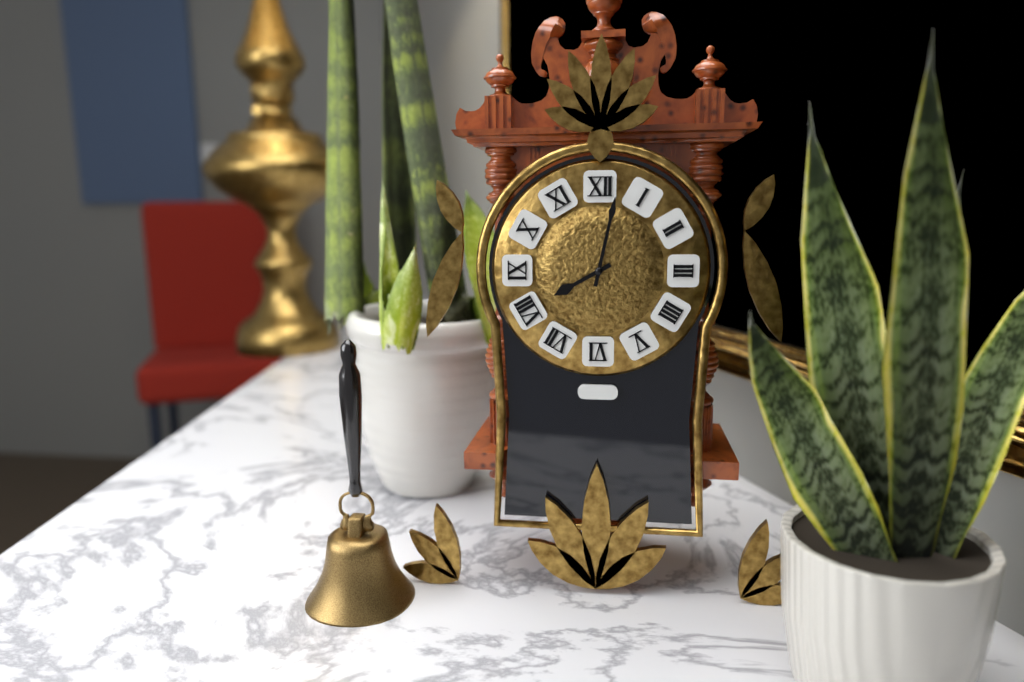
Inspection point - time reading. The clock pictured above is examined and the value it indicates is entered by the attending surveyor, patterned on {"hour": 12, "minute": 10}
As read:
{"hour": 8, "minute": 2}
